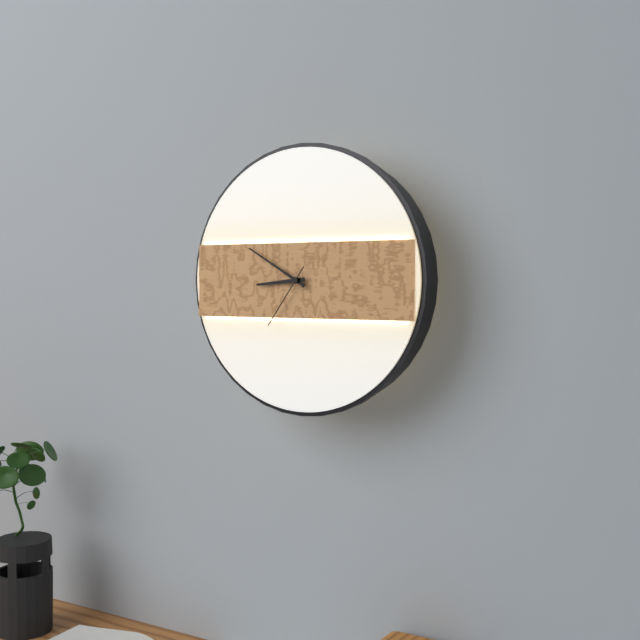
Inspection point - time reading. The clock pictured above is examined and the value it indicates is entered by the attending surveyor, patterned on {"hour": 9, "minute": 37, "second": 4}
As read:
{"hour": 8, "minute": 50, "second": 36}
